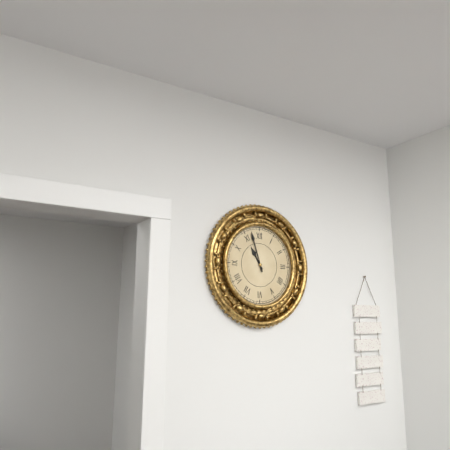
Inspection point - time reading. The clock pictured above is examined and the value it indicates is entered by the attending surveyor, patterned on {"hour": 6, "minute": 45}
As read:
{"hour": 10, "minute": 57}
